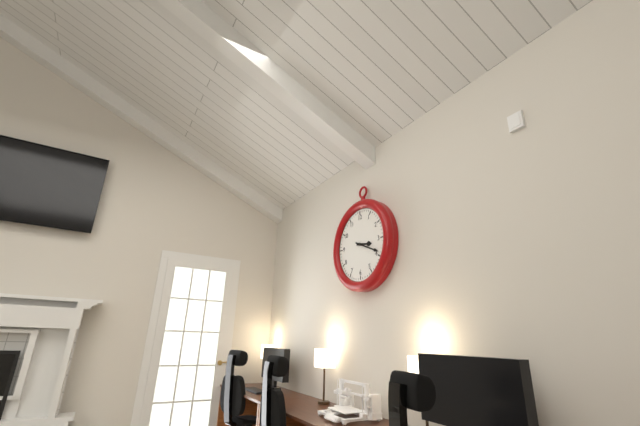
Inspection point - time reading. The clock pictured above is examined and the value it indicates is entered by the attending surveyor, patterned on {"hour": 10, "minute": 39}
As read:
{"hour": 3, "minute": 19}
